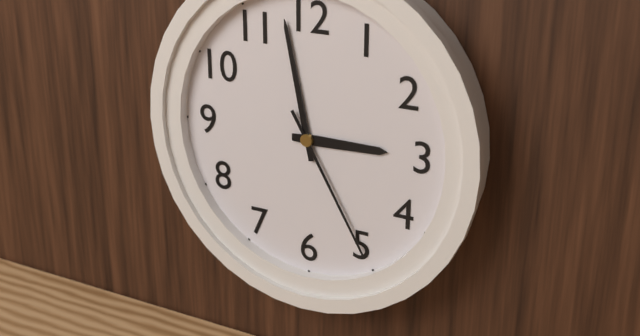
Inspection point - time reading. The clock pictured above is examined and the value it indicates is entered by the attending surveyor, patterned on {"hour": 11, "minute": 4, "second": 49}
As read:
{"hour": 2, "minute": 58, "second": 25}
